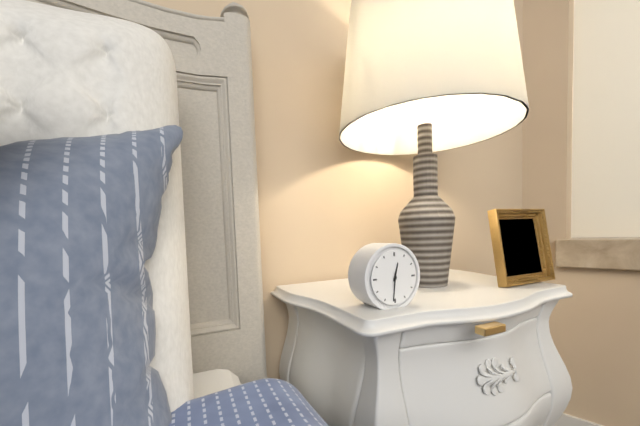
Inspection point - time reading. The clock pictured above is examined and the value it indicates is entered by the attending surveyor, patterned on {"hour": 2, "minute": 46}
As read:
{"hour": 12, "minute": 31}
